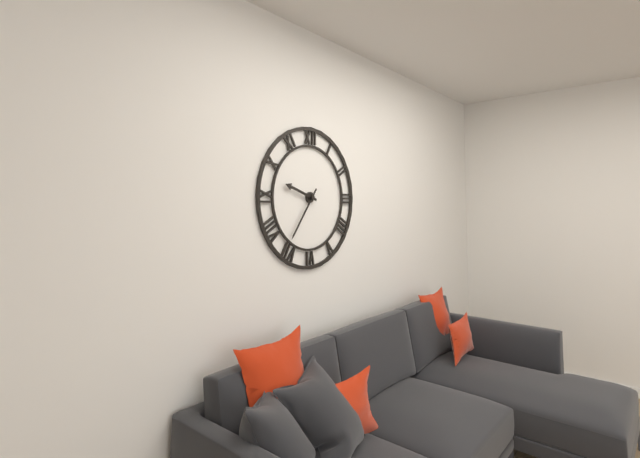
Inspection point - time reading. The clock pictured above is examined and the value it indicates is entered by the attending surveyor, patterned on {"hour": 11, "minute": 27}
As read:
{"hour": 9, "minute": 36}
